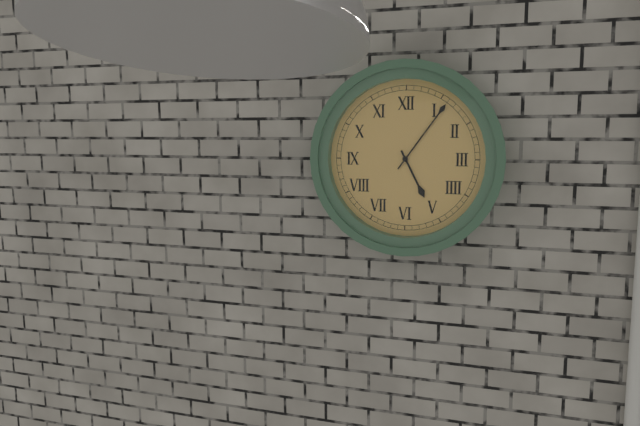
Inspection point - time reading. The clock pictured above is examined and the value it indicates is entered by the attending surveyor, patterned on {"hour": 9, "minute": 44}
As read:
{"hour": 5, "minute": 6}
